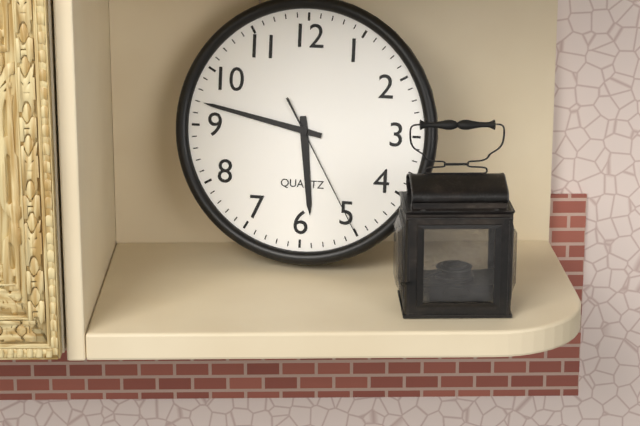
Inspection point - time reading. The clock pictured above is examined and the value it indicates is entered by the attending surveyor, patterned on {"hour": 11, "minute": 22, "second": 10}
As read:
{"hour": 5, "minute": 47, "second": 25}
